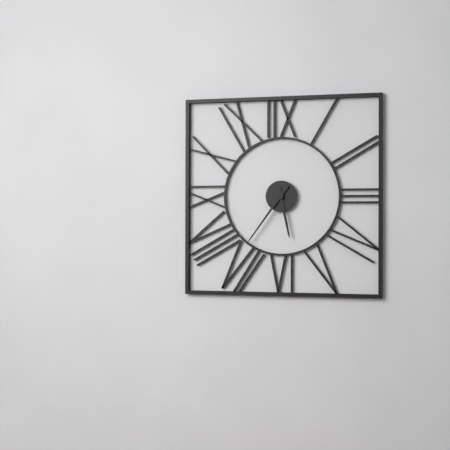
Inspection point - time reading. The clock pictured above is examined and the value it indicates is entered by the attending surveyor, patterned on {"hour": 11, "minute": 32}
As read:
{"hour": 5, "minute": 36}
